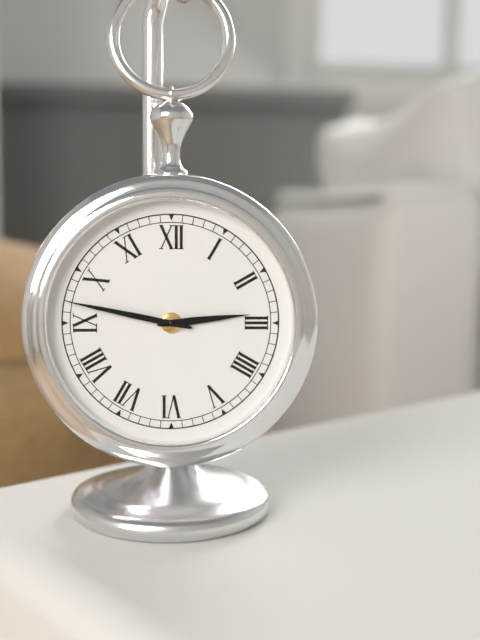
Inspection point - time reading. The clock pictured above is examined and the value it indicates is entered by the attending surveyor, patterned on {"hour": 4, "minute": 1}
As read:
{"hour": 2, "minute": 47}
